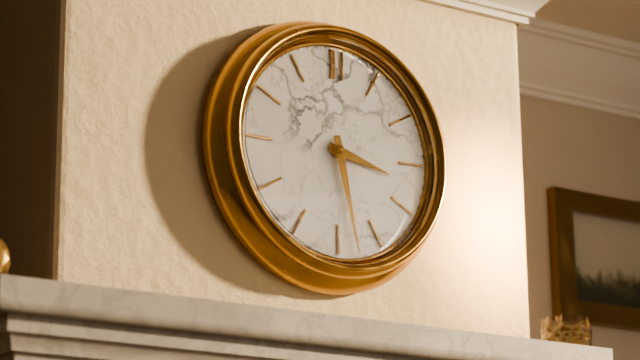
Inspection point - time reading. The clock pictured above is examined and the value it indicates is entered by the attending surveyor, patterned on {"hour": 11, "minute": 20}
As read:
{"hour": 3, "minute": 28}
